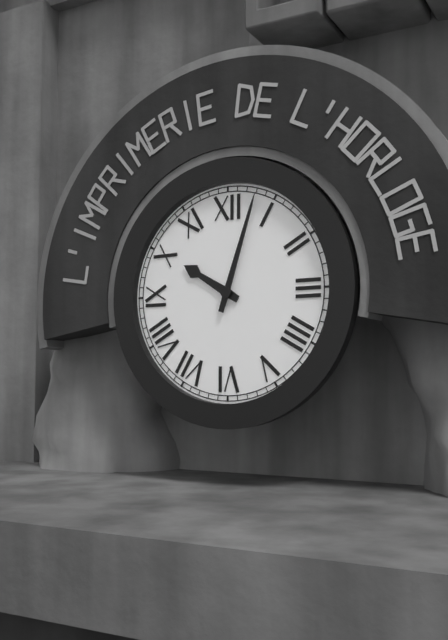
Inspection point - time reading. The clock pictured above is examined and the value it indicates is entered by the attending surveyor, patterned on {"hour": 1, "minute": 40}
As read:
{"hour": 10, "minute": 3}
